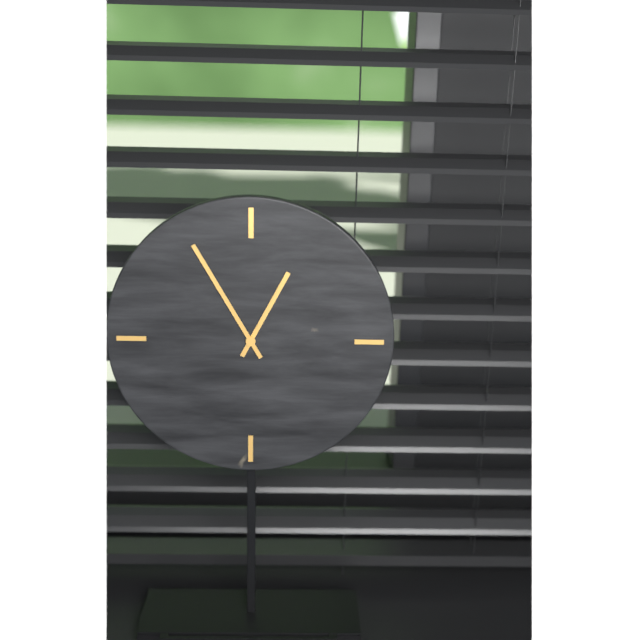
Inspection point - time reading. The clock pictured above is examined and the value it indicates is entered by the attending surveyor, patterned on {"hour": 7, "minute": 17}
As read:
{"hour": 12, "minute": 55}
